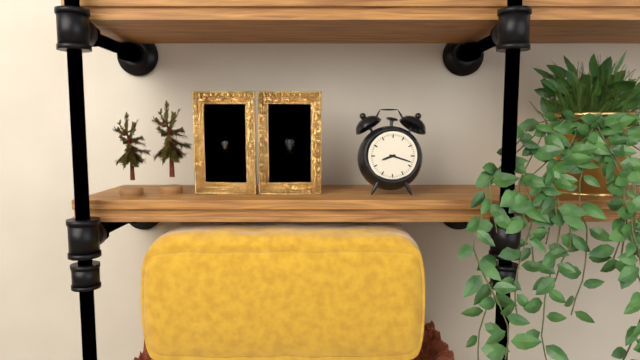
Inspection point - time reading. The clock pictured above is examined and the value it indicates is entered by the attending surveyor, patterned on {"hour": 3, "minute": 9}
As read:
{"hour": 8, "minute": 18}
